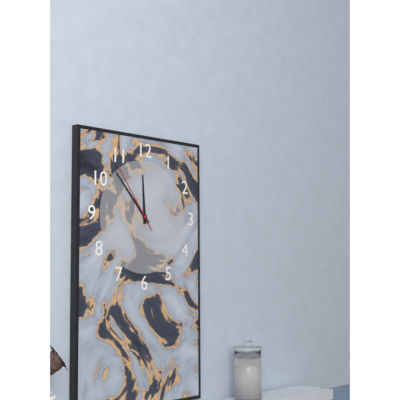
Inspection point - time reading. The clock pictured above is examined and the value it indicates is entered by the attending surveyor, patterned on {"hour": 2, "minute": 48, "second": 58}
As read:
{"hour": 11, "minute": 53, "second": 54}
